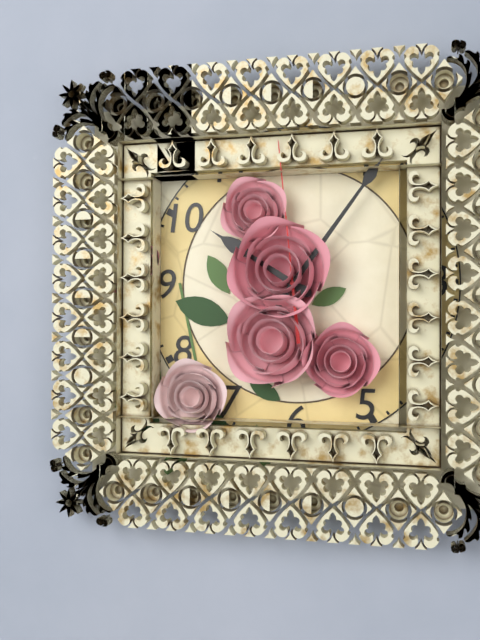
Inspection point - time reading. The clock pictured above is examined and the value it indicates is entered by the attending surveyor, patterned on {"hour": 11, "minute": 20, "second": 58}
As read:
{"hour": 10, "minute": 6, "second": 59}
